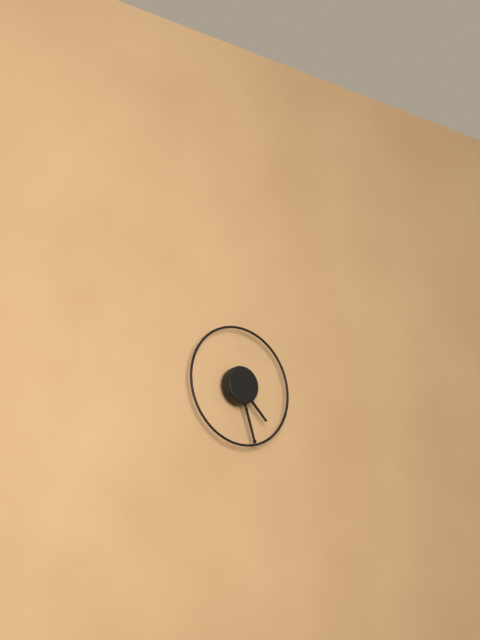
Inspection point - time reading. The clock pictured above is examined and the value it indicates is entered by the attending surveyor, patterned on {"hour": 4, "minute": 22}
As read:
{"hour": 4, "minute": 27}
